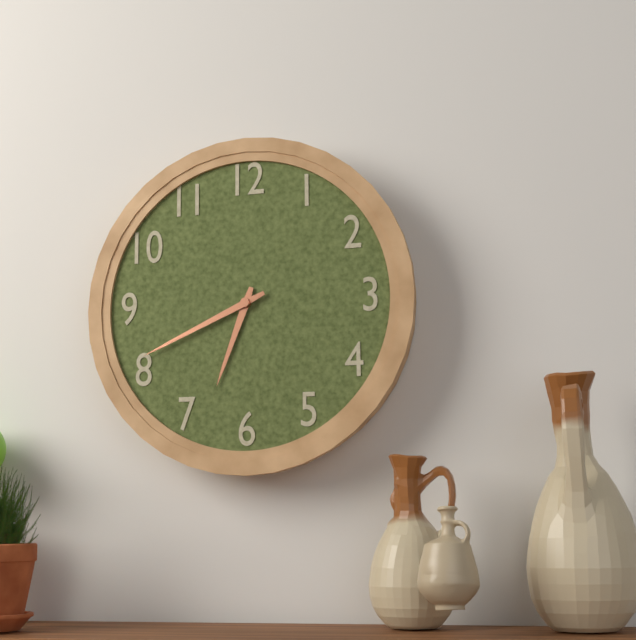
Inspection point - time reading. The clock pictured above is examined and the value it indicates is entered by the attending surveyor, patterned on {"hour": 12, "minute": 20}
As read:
{"hour": 6, "minute": 41}
